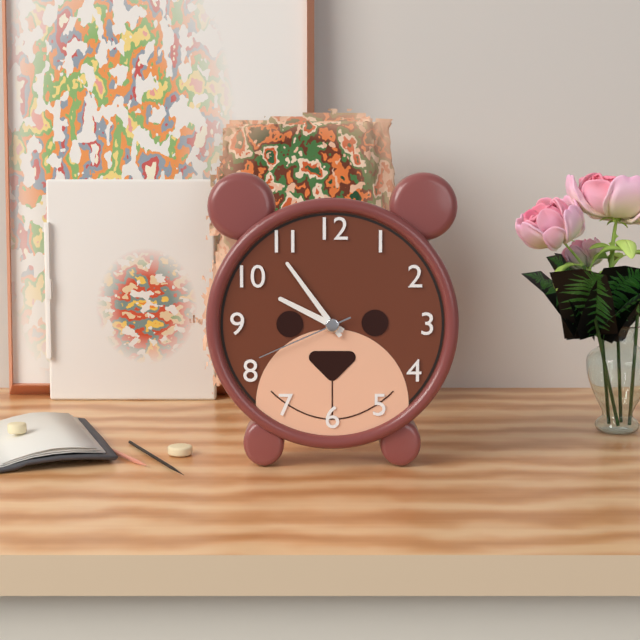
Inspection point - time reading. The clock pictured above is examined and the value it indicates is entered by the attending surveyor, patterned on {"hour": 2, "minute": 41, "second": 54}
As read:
{"hour": 9, "minute": 54, "second": 41}
